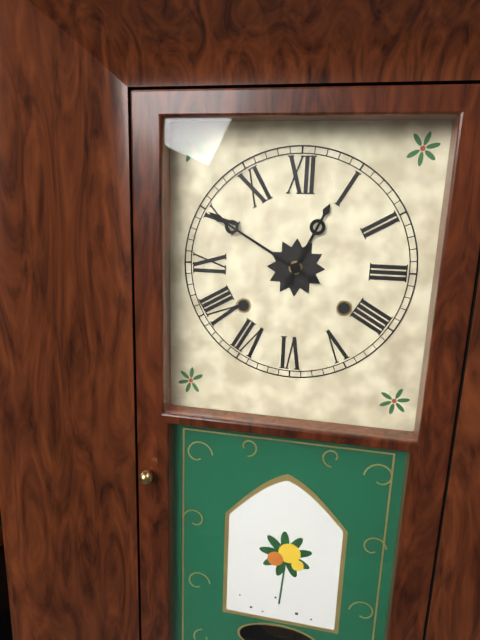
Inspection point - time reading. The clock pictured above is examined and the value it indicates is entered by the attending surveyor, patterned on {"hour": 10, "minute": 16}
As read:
{"hour": 12, "minute": 50}
